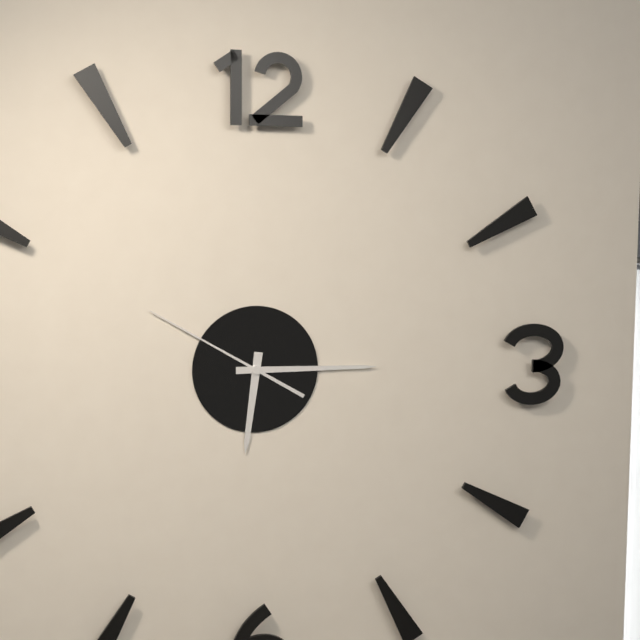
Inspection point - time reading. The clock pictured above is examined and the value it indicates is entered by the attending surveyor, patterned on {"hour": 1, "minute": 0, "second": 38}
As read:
{"hour": 6, "minute": 15, "second": 50}
